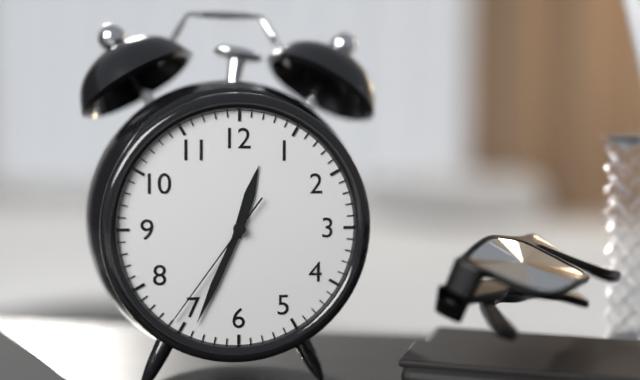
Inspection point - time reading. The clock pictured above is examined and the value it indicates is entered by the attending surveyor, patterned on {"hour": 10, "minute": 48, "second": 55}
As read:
{"hour": 12, "minute": 34, "second": 36}
